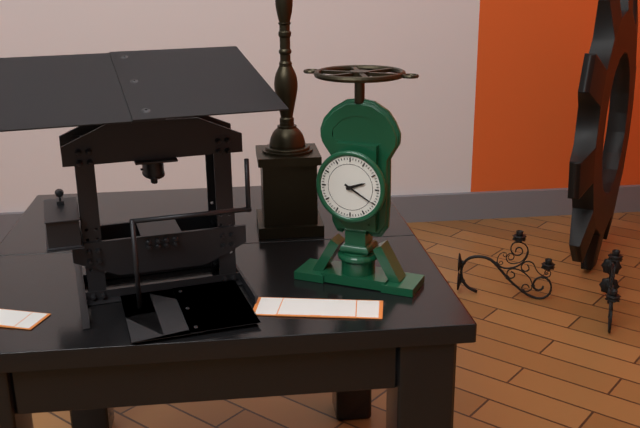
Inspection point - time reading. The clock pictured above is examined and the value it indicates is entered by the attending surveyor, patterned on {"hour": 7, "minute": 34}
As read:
{"hour": 2, "minute": 20}
